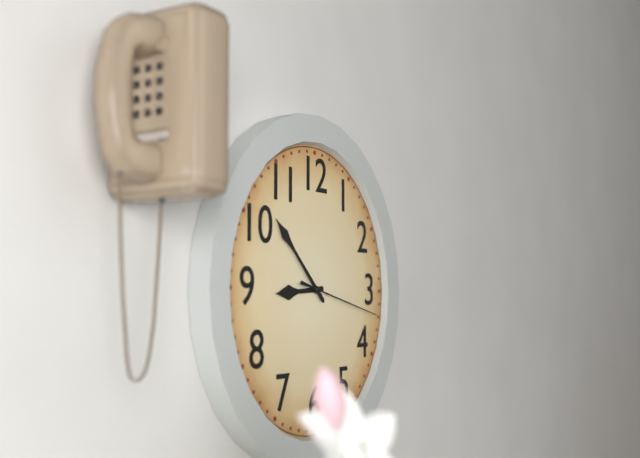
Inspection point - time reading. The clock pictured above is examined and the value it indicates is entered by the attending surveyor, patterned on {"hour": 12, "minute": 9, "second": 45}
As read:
{"hour": 8, "minute": 52, "second": 17}
